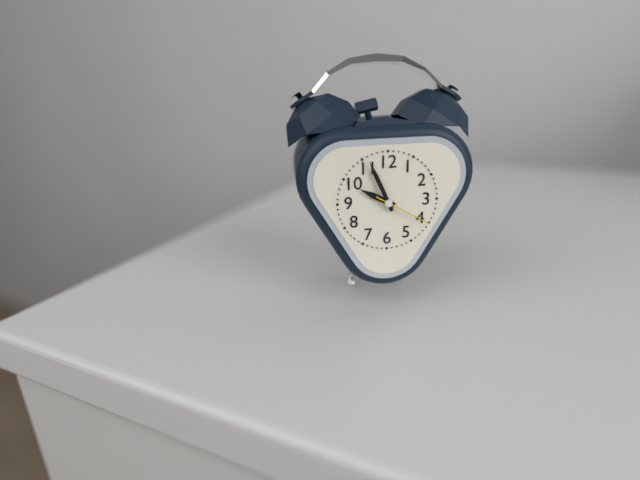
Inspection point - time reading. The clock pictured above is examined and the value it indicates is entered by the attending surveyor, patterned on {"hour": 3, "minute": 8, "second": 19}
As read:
{"hour": 9, "minute": 56, "second": 20}
